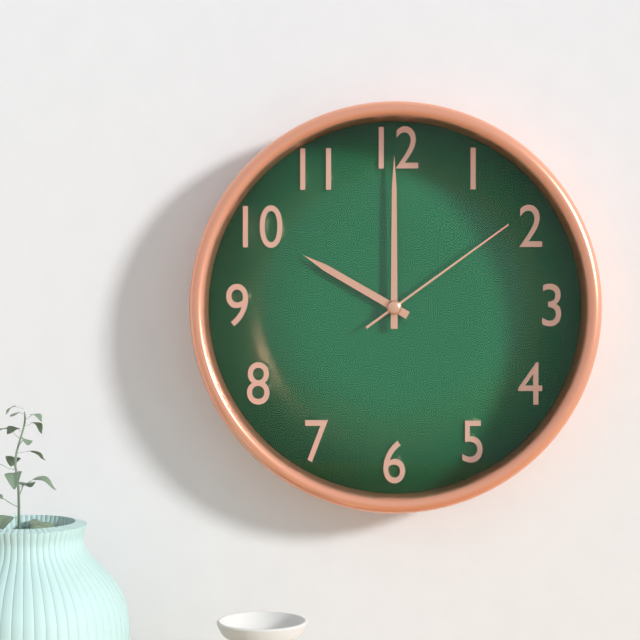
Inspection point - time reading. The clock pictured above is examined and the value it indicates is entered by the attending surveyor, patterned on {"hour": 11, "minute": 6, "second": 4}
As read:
{"hour": 10, "minute": 0, "second": 9}
